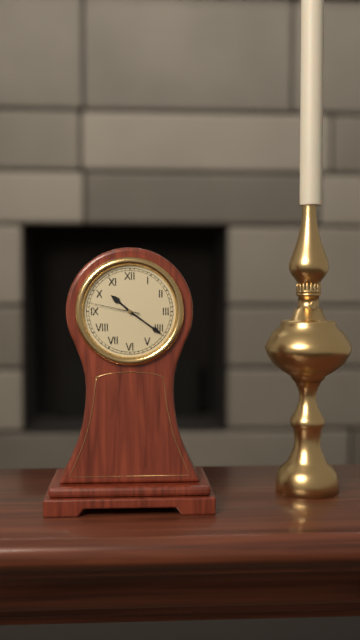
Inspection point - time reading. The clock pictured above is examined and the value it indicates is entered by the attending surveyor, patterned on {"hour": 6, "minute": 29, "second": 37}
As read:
{"hour": 10, "minute": 21, "second": 47}
